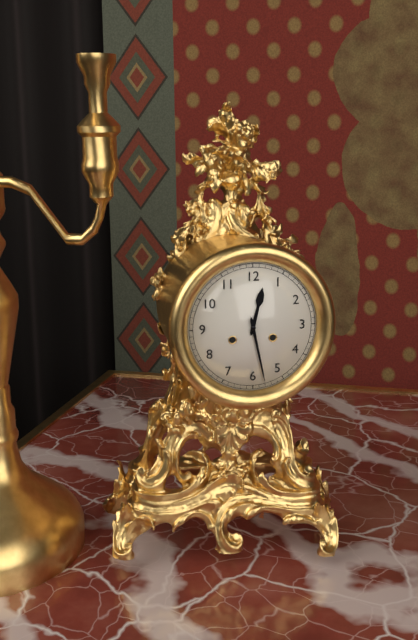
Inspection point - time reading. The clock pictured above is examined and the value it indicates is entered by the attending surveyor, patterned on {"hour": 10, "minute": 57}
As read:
{"hour": 12, "minute": 28}
